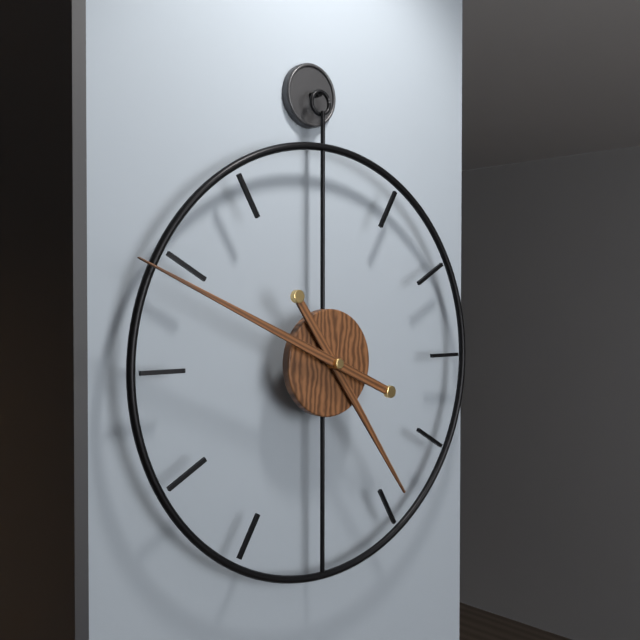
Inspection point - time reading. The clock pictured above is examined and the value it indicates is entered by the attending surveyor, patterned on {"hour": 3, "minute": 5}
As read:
{"hour": 4, "minute": 49}
